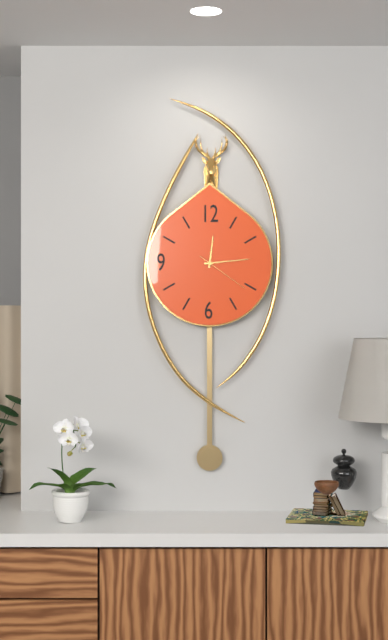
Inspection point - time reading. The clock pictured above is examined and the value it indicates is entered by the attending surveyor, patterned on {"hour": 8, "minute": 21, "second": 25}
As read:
{"hour": 12, "minute": 14, "second": 21}
